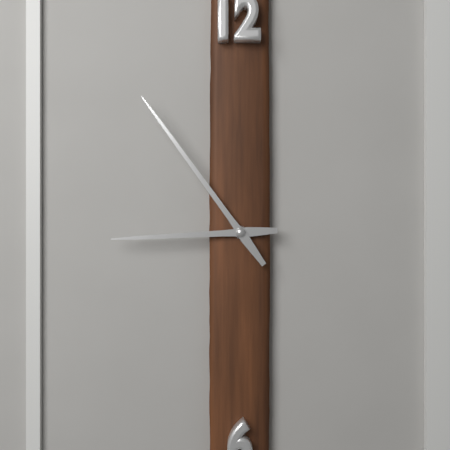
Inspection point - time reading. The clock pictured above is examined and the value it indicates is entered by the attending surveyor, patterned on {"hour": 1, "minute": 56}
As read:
{"hour": 8, "minute": 54}
